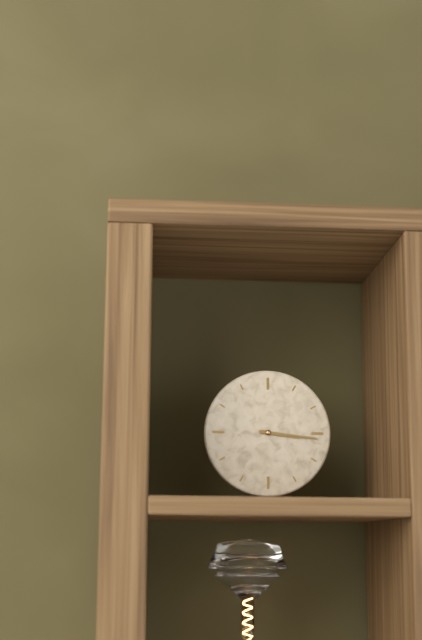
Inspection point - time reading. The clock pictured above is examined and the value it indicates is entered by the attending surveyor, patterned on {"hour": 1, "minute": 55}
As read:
{"hour": 3, "minute": 16}
